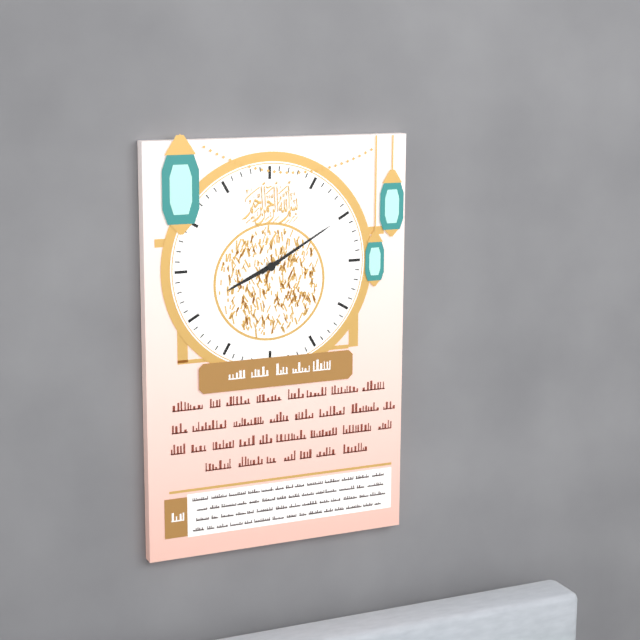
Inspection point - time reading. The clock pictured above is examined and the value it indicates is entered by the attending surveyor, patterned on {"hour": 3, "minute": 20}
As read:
{"hour": 8, "minute": 10}
